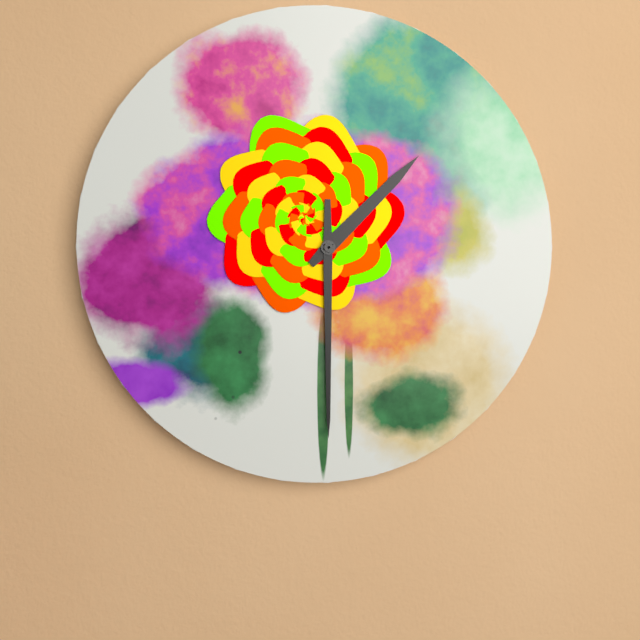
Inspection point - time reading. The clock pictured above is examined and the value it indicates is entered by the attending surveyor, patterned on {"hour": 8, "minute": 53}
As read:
{"hour": 1, "minute": 30}
